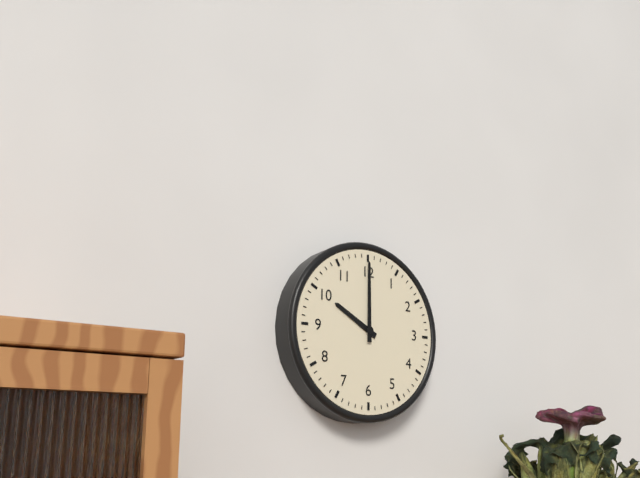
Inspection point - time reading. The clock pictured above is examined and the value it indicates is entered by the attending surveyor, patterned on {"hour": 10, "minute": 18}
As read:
{"hour": 10, "minute": 0}
